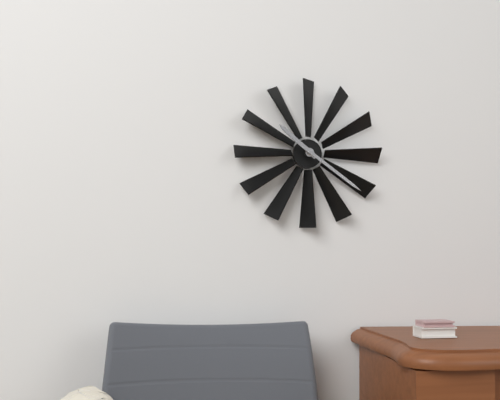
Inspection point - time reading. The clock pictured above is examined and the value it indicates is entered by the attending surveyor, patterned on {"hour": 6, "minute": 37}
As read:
{"hour": 10, "minute": 21}
